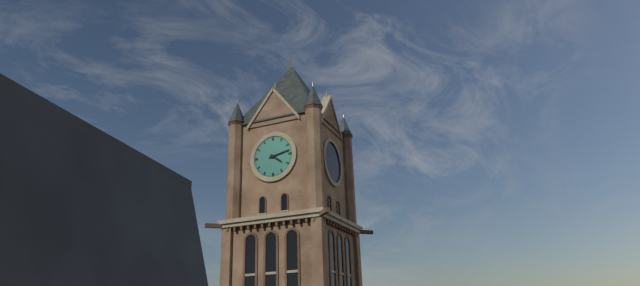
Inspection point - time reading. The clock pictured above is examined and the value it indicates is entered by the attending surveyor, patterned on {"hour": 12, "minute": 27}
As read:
{"hour": 4, "minute": 13}
